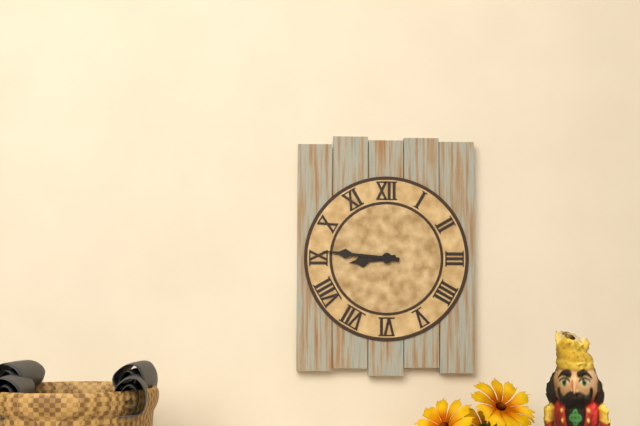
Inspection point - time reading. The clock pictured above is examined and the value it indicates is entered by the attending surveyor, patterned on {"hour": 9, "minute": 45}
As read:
{"hour": 8, "minute": 46}
